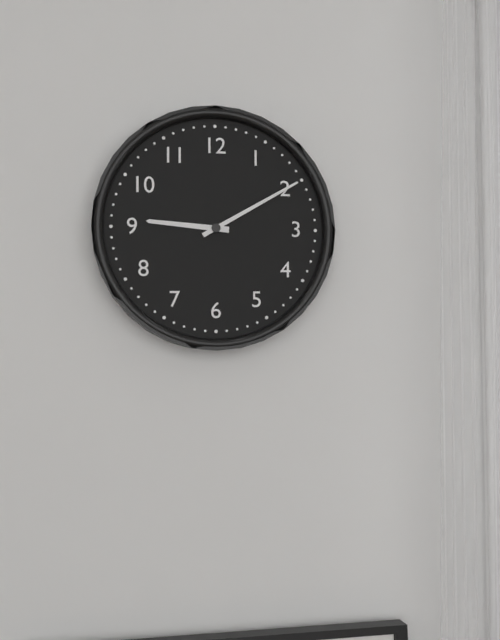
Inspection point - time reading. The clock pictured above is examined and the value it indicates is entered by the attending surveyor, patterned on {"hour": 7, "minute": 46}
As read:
{"hour": 9, "minute": 10}
